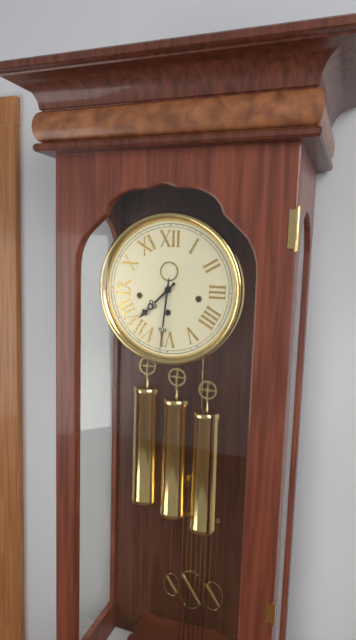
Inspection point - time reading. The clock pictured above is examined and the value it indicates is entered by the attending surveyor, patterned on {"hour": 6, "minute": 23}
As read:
{"hour": 7, "minute": 31}
